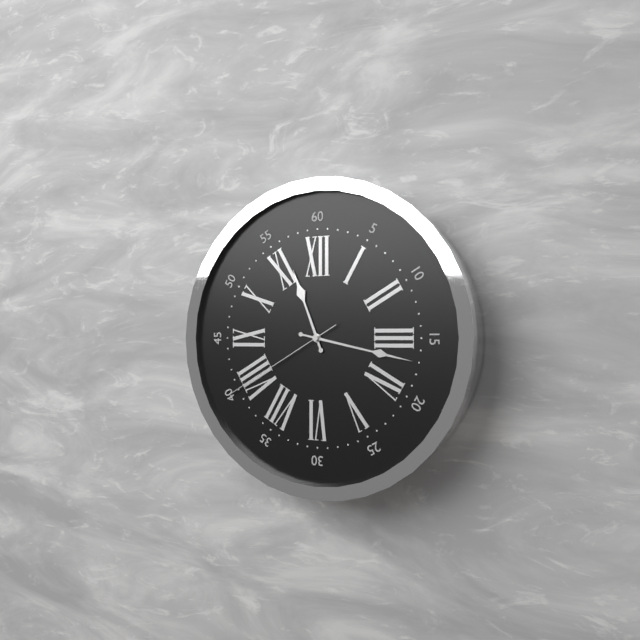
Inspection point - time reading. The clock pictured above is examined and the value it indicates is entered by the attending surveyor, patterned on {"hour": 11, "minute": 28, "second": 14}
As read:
{"hour": 11, "minute": 17, "second": 40}
